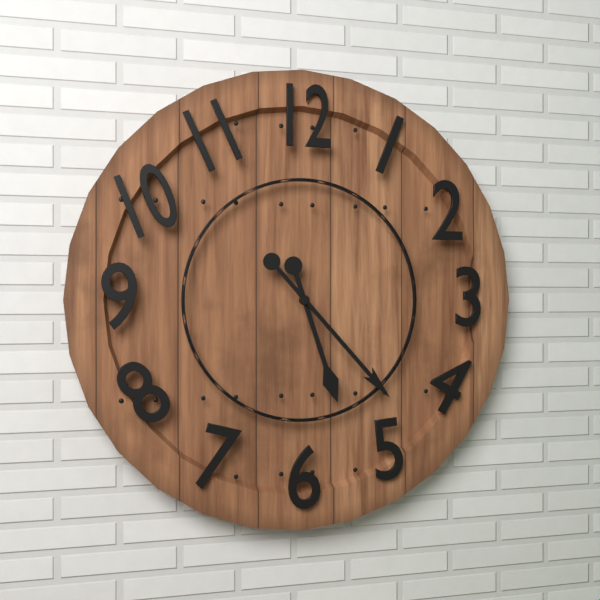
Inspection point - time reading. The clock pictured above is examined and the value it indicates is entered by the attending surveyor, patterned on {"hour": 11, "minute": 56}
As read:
{"hour": 5, "minute": 23}
